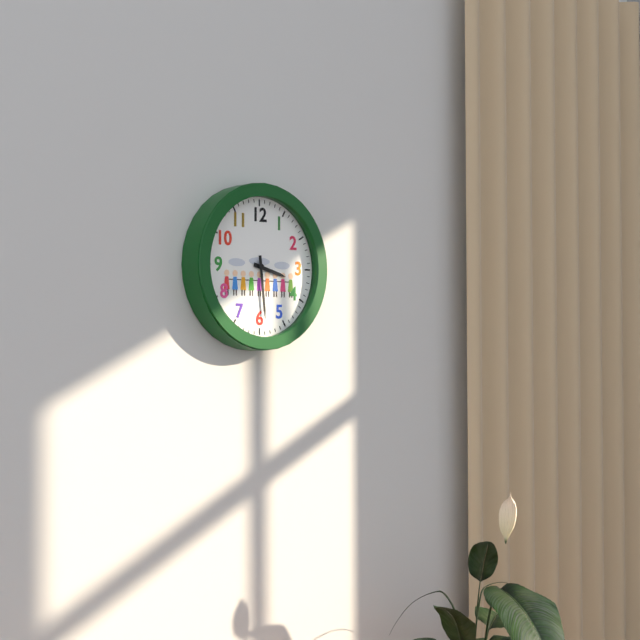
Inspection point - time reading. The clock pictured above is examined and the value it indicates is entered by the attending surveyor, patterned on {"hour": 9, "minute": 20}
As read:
{"hour": 3, "minute": 29}
